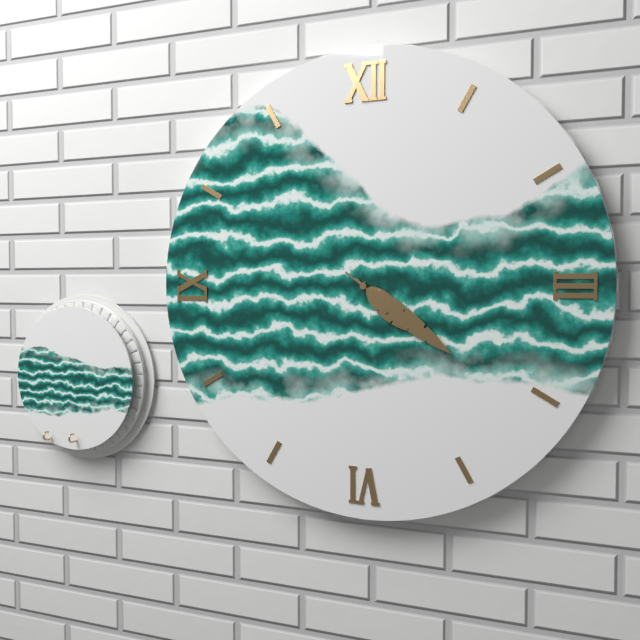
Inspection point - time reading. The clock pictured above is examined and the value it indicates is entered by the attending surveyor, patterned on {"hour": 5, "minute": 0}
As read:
{"hour": 4, "minute": 21}
